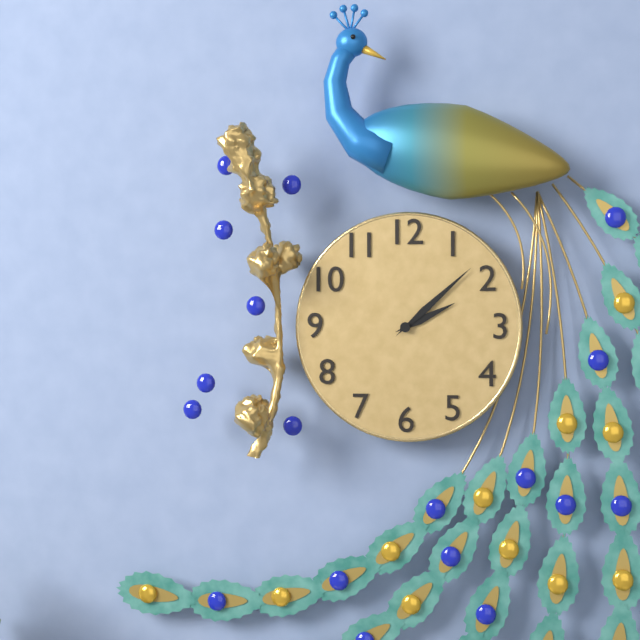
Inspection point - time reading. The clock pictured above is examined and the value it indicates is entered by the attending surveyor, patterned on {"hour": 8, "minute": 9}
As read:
{"hour": 2, "minute": 8}
